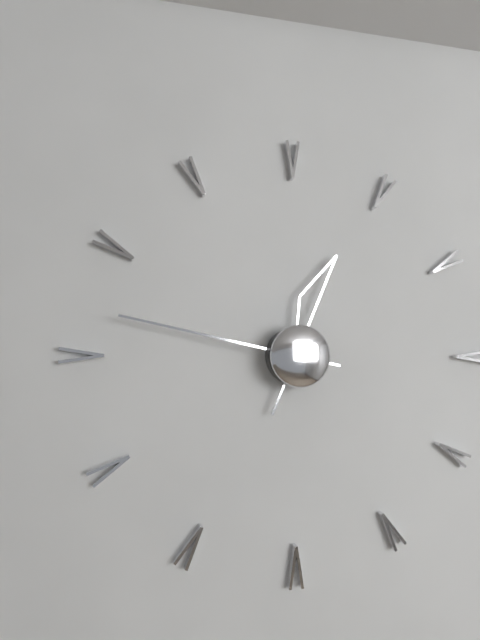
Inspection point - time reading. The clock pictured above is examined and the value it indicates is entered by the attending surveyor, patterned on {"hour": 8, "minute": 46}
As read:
{"hour": 12, "minute": 47}
